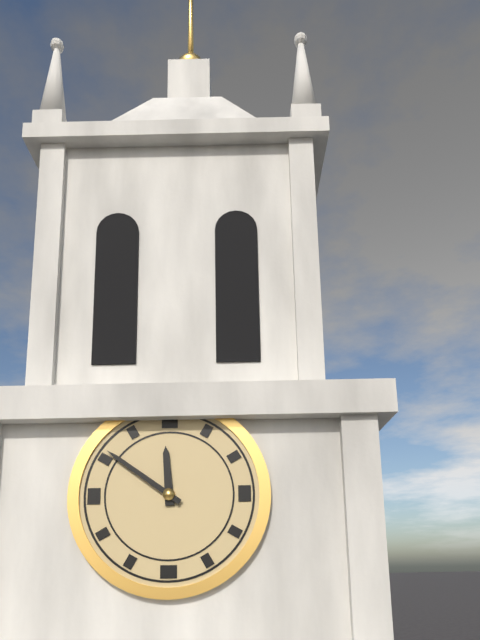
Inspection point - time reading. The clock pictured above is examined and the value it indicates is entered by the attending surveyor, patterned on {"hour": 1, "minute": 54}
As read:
{"hour": 11, "minute": 51}
